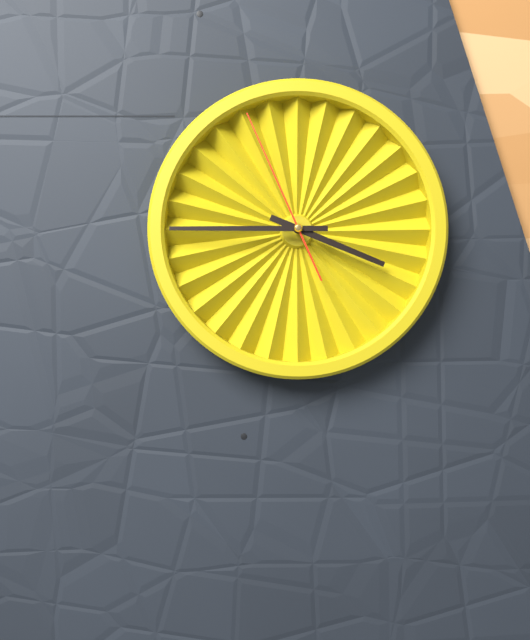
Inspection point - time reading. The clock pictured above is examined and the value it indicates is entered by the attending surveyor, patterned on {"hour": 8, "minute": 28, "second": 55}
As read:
{"hour": 3, "minute": 45, "second": 56}
